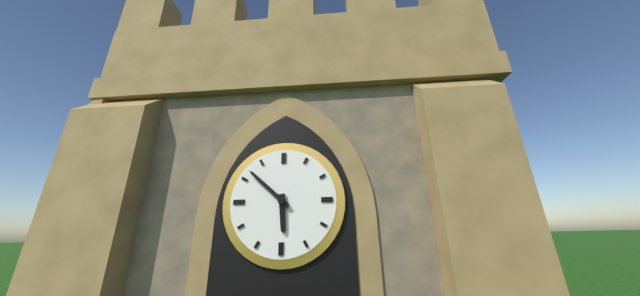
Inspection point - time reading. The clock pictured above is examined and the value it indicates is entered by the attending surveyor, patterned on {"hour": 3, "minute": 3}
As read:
{"hour": 5, "minute": 52}
